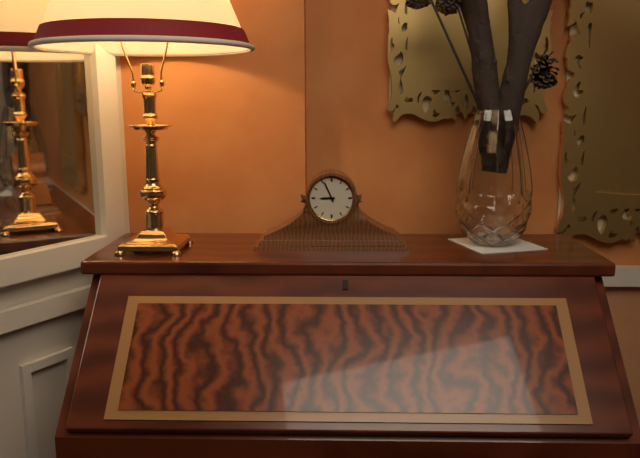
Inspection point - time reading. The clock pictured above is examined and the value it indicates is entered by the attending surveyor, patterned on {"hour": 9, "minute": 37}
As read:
{"hour": 8, "minute": 56}
